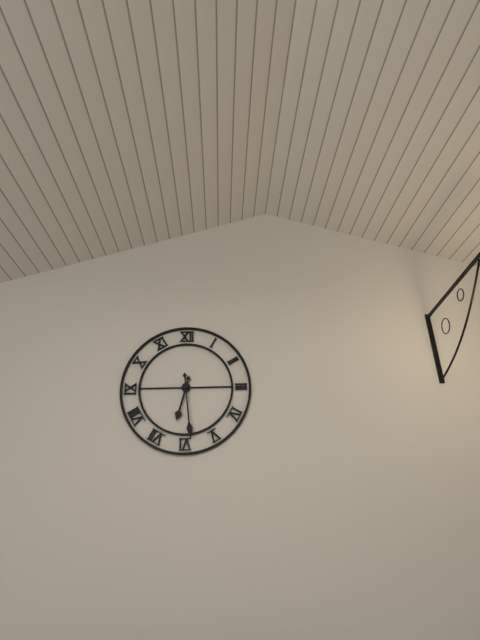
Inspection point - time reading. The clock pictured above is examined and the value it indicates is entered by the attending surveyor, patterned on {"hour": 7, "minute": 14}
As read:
{"hour": 6, "minute": 29}
